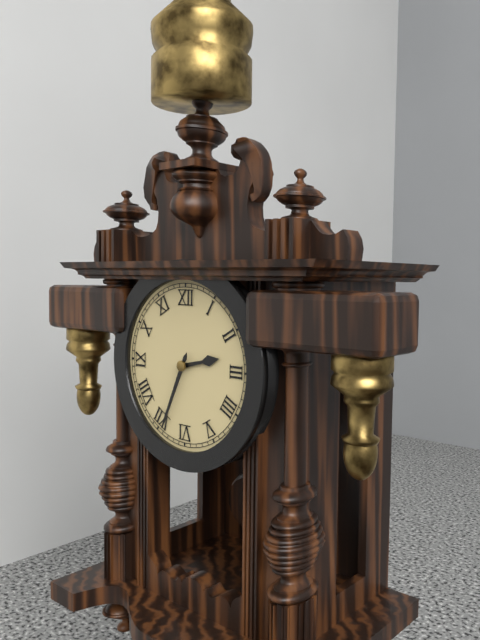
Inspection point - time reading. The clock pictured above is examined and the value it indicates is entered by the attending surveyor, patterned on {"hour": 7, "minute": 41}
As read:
{"hour": 2, "minute": 34}
